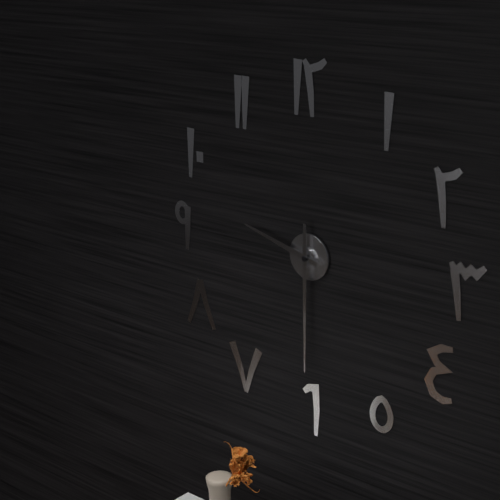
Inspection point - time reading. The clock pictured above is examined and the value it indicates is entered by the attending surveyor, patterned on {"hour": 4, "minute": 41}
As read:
{"hour": 9, "minute": 30}
